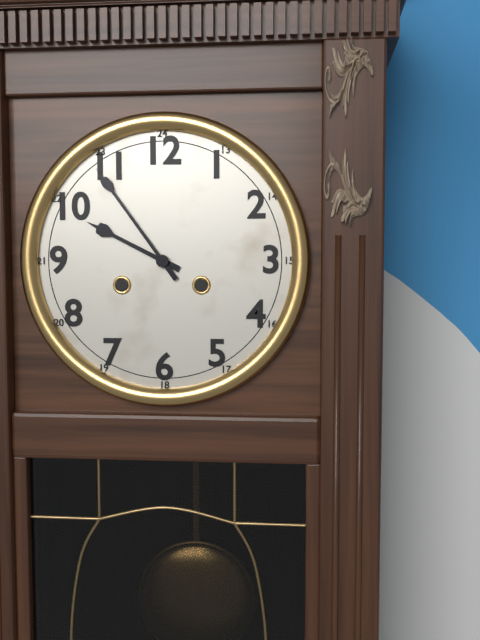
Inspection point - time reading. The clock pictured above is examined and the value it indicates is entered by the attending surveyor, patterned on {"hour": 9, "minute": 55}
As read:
{"hour": 9, "minute": 54}
